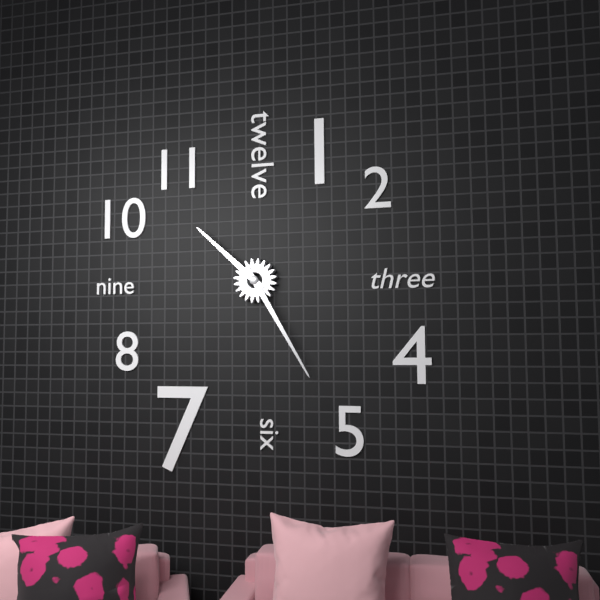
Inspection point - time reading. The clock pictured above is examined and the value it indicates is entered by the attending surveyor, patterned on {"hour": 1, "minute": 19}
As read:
{"hour": 10, "minute": 25}
